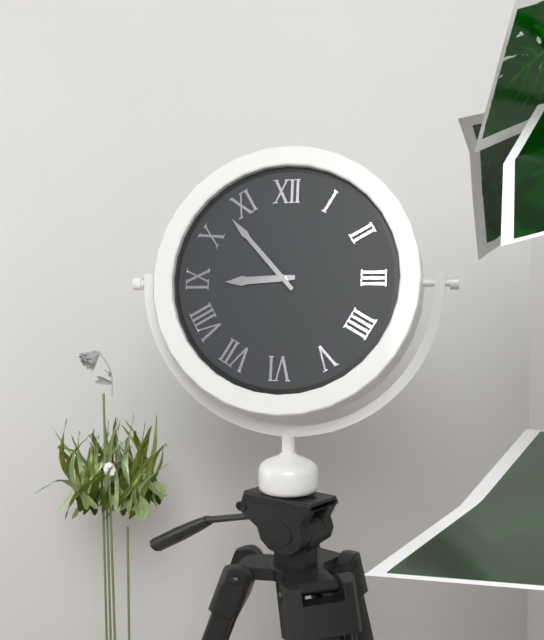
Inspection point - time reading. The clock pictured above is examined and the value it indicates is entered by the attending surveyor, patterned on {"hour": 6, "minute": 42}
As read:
{"hour": 8, "minute": 53}
